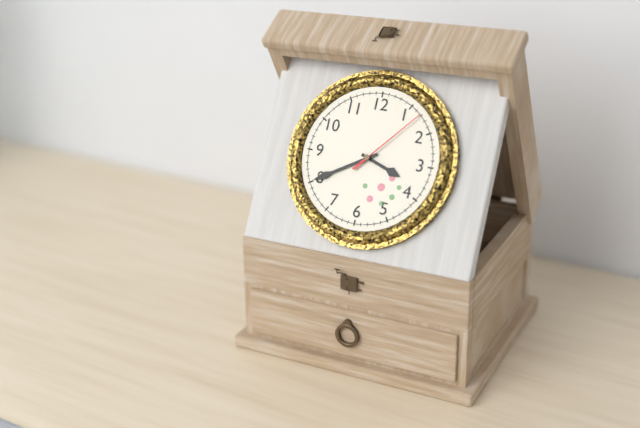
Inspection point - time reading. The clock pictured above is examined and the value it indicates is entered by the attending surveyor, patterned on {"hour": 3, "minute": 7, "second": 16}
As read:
{"hour": 3, "minute": 40, "second": 7}
